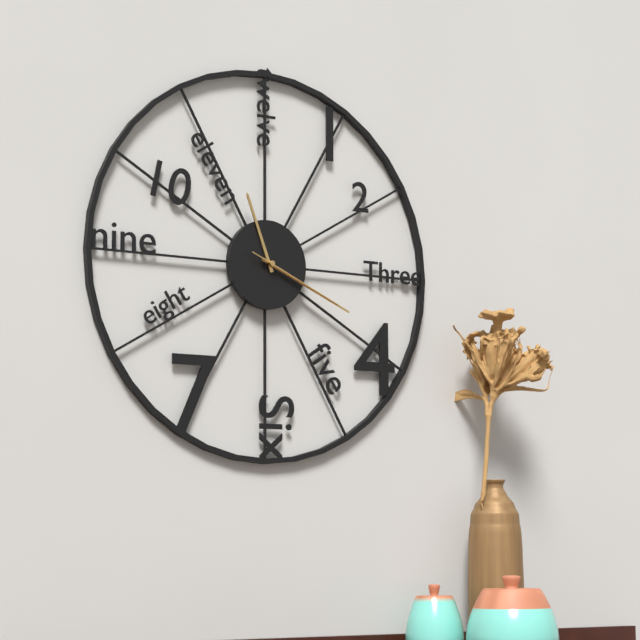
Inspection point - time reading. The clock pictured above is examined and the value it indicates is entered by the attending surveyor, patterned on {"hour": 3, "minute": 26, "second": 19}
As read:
{"hour": 11, "minute": 19, "second": 19}
